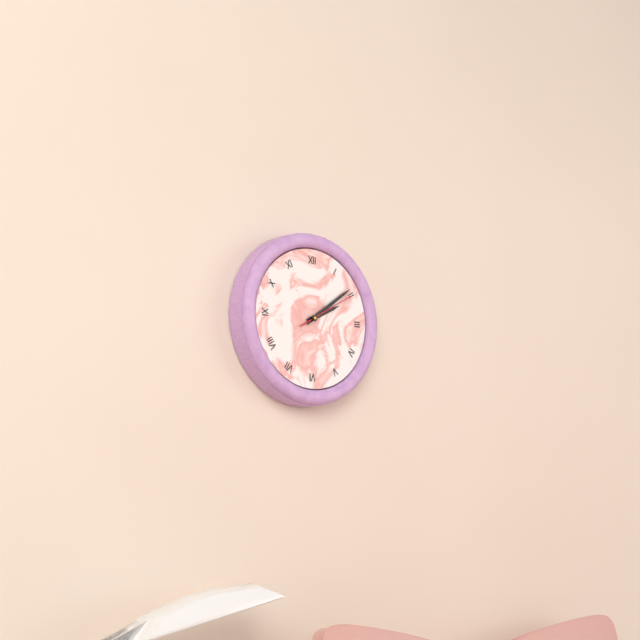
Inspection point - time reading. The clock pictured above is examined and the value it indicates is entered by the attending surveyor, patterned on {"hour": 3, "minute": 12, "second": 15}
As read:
{"hour": 2, "minute": 9, "second": 10}
